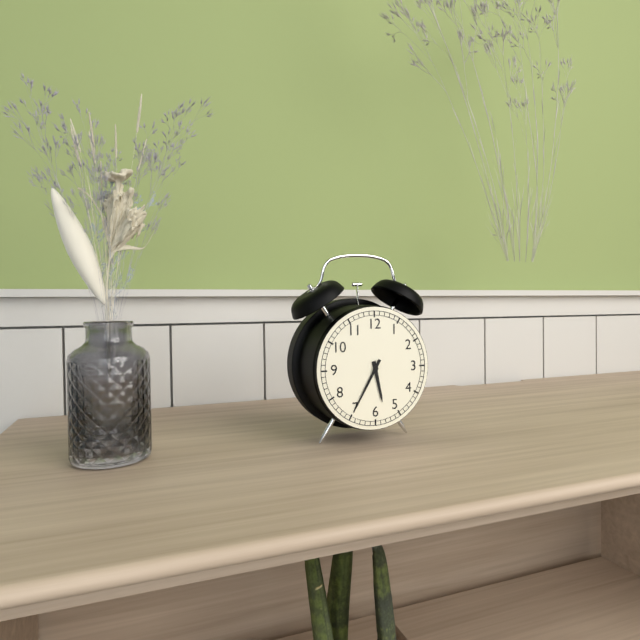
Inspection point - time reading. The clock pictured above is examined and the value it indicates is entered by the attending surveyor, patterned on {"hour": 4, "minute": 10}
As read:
{"hour": 5, "minute": 35}
